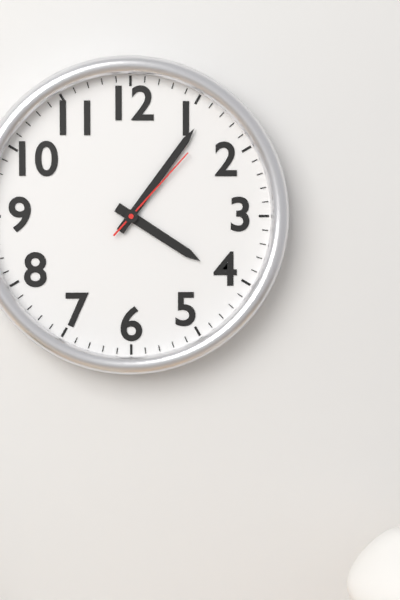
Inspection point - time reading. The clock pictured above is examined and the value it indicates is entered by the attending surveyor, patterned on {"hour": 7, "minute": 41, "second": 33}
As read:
{"hour": 4, "minute": 6, "second": 7}
